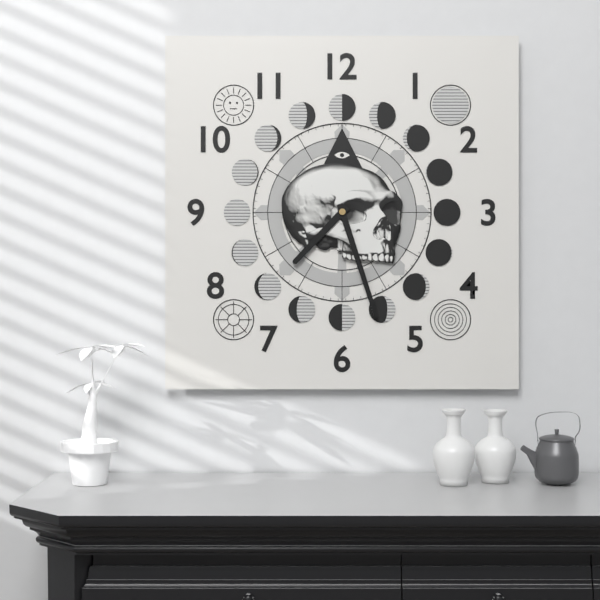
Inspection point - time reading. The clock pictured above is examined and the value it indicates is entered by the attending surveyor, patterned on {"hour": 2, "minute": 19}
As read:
{"hour": 7, "minute": 27}
